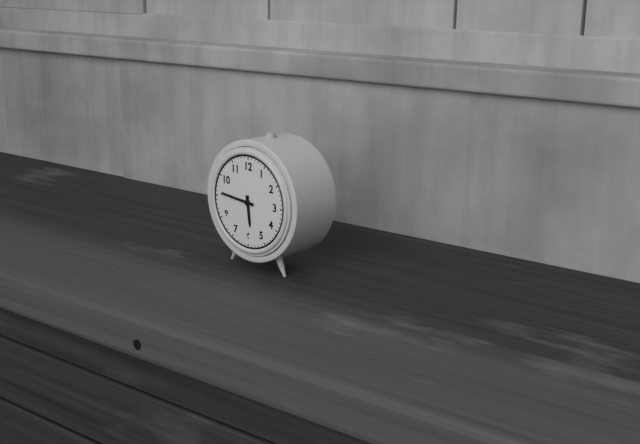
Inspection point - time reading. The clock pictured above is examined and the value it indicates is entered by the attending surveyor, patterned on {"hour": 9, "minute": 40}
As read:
{"hour": 5, "minute": 46}
